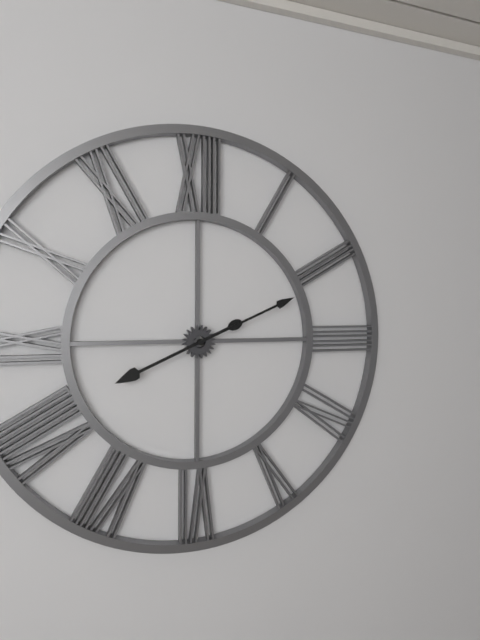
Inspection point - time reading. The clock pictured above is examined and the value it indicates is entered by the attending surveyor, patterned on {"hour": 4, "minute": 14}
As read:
{"hour": 8, "minute": 11}
